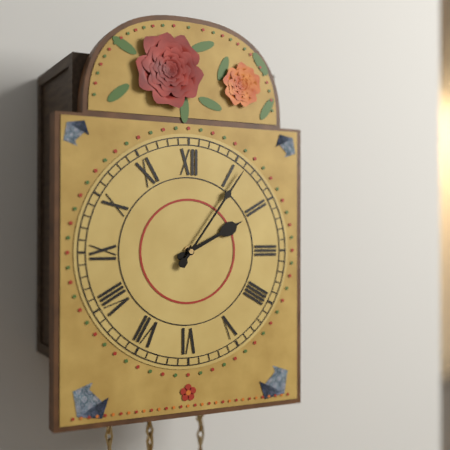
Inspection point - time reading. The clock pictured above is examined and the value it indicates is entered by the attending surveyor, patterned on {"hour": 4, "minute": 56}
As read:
{"hour": 2, "minute": 6}
